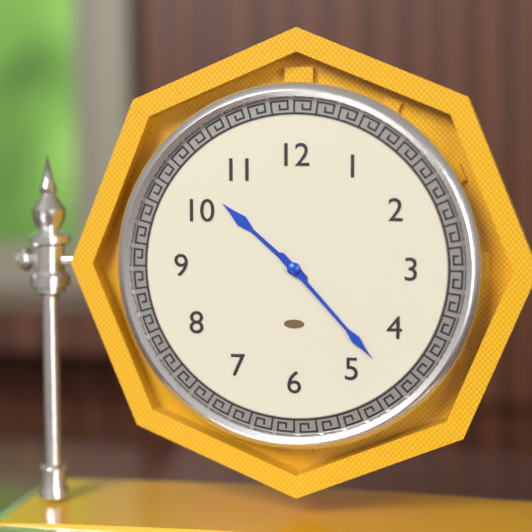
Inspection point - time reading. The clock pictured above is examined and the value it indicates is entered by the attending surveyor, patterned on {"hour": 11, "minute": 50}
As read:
{"hour": 10, "minute": 23}
